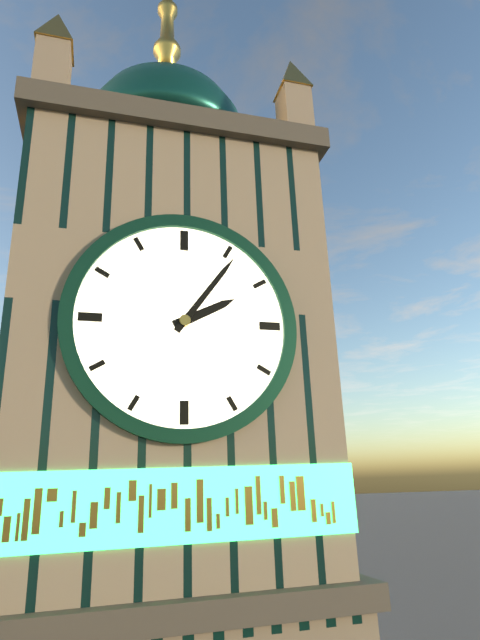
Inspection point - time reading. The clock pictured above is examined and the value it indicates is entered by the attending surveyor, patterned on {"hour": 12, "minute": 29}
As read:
{"hour": 2, "minute": 6}
